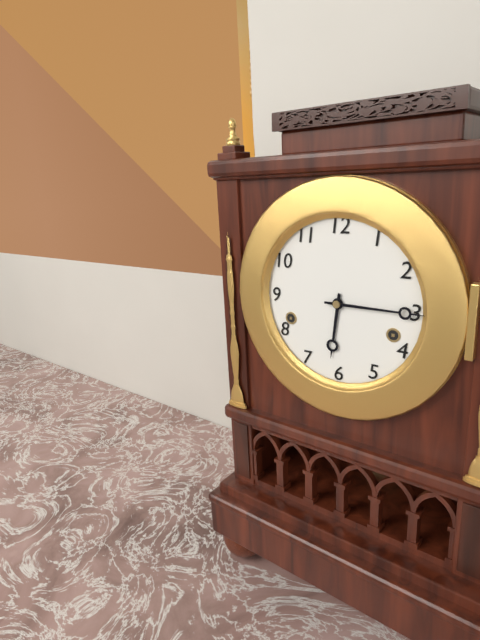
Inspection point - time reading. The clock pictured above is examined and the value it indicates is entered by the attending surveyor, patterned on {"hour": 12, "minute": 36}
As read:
{"hour": 6, "minute": 15}
